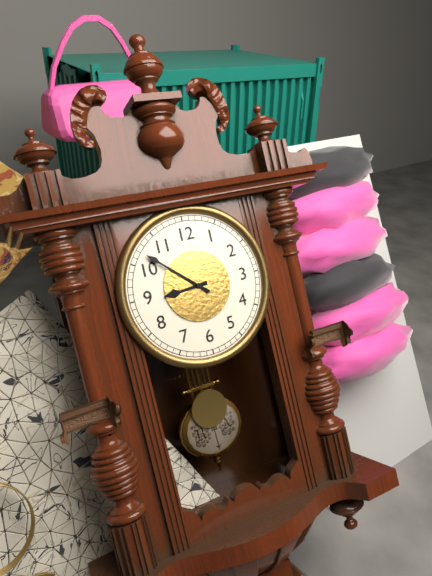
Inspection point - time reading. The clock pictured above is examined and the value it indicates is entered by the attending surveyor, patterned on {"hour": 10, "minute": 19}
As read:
{"hour": 8, "minute": 52}
